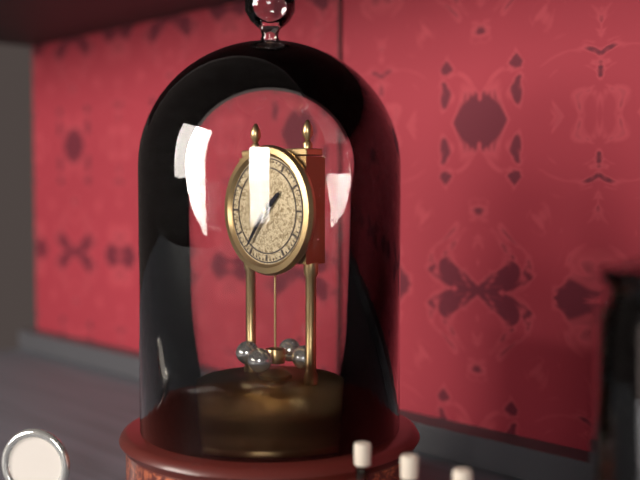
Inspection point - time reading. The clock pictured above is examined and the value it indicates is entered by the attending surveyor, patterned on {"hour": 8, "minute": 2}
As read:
{"hour": 1, "minute": 36}
